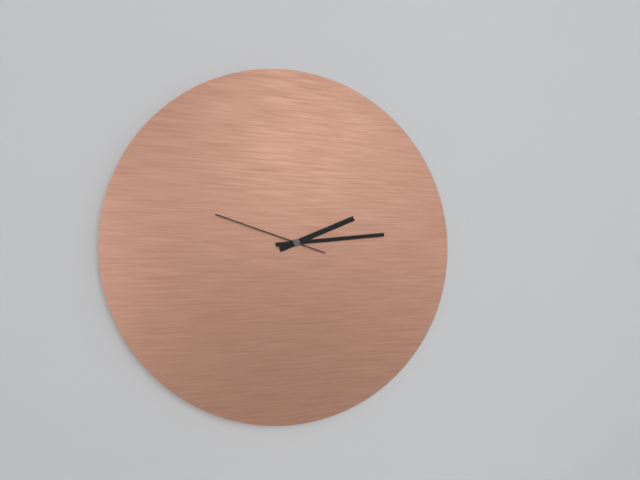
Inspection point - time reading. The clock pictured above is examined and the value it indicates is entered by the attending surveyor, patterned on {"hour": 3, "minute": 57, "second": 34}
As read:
{"hour": 2, "minute": 14, "second": 48}
